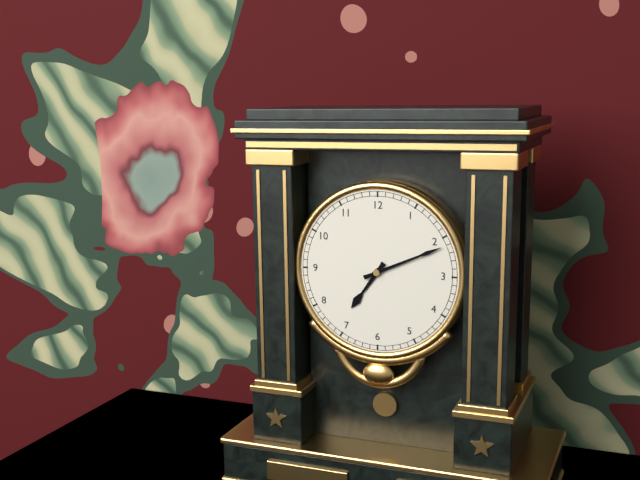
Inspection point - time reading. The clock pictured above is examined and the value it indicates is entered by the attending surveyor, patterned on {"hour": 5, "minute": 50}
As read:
{"hour": 7, "minute": 11}
